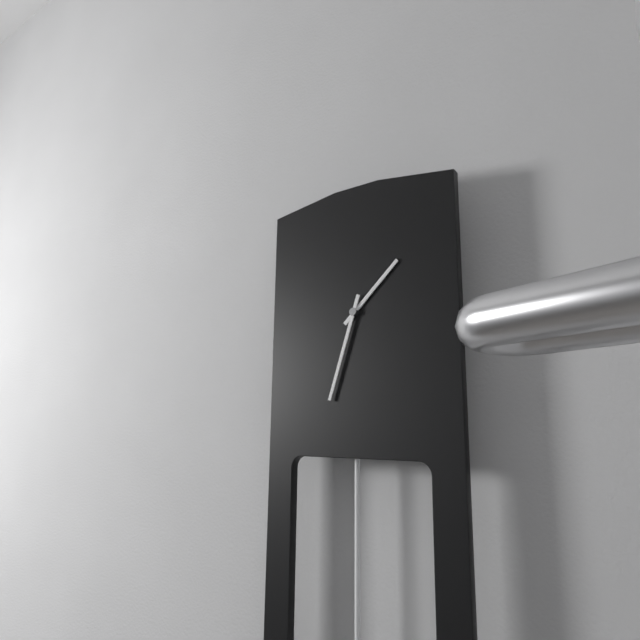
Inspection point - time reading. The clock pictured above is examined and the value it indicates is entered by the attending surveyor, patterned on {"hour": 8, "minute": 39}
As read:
{"hour": 1, "minute": 33}
